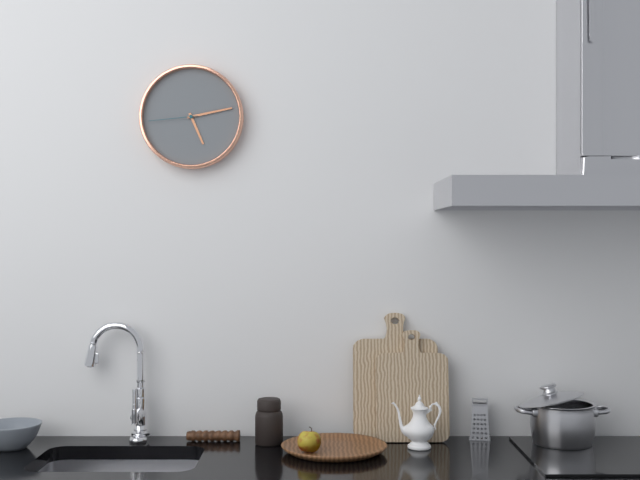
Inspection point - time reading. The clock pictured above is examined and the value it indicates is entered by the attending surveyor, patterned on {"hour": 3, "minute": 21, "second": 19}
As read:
{"hour": 5, "minute": 13, "second": 44}
